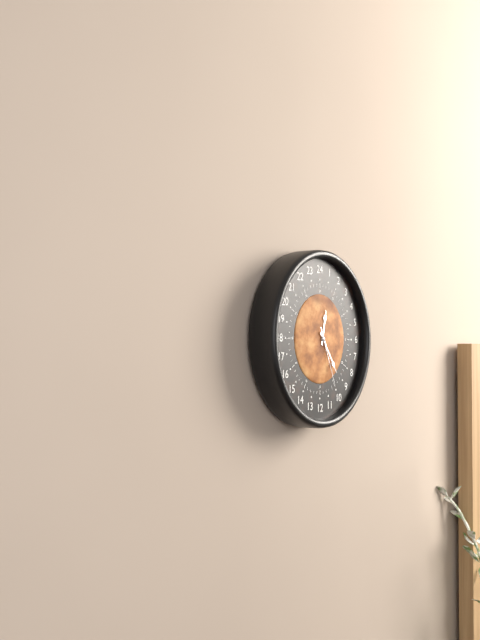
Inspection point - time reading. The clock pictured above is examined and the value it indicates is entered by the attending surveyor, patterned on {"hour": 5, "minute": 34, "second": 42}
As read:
{"hour": 12, "minute": 24, "second": 26}
